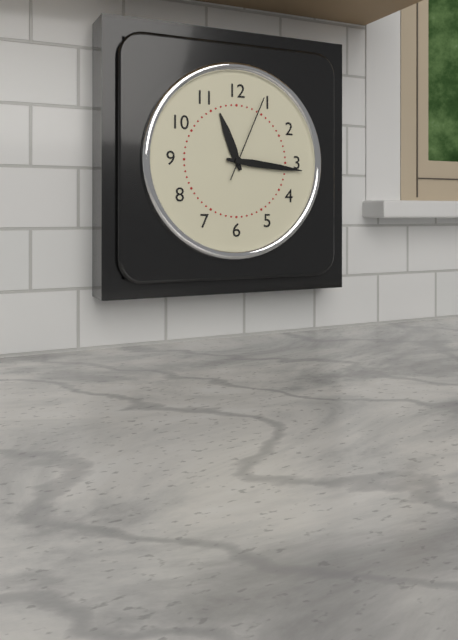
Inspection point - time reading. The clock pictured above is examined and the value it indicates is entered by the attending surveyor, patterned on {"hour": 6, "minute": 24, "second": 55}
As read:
{"hour": 11, "minute": 16, "second": 4}
